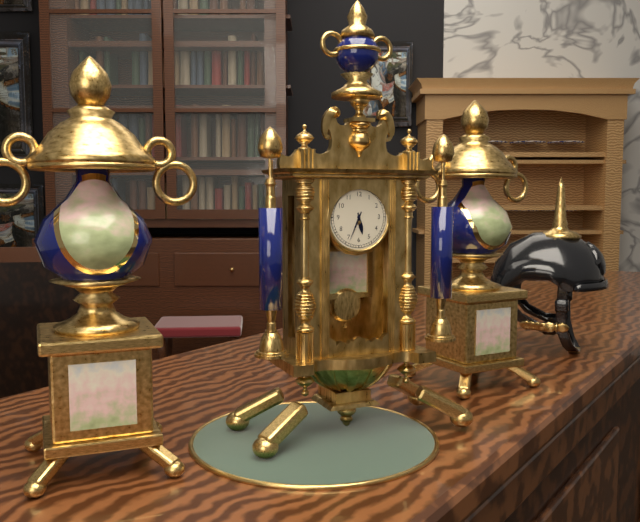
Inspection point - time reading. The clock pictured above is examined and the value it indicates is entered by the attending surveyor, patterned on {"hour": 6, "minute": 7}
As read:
{"hour": 5, "minute": 34}
